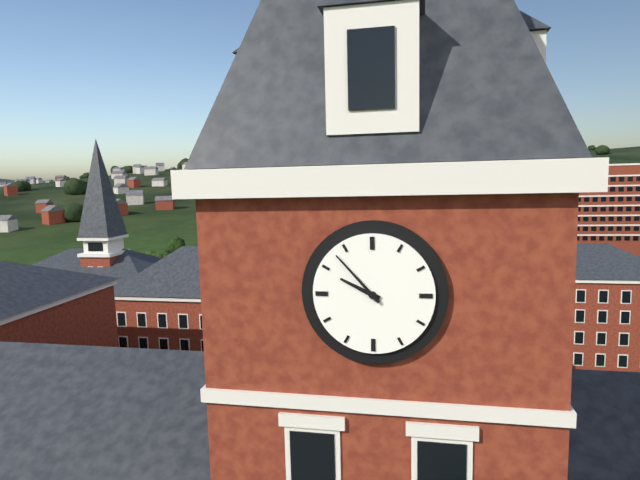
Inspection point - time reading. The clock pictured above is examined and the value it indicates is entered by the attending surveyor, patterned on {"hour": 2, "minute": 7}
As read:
{"hour": 9, "minute": 53}
